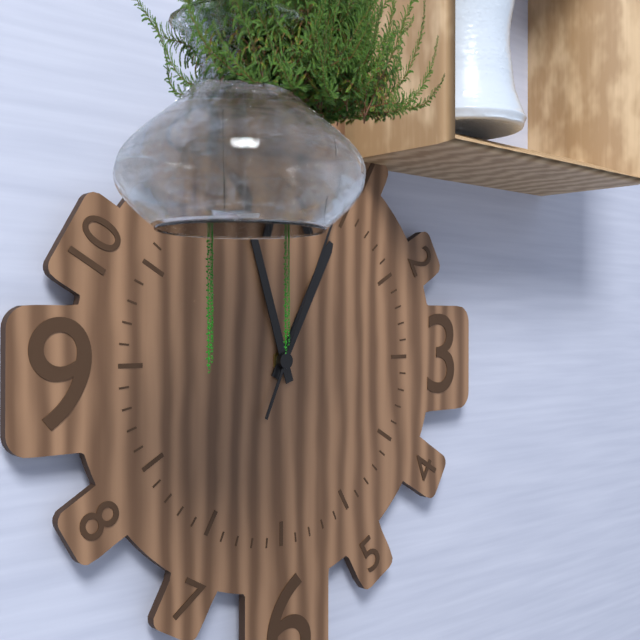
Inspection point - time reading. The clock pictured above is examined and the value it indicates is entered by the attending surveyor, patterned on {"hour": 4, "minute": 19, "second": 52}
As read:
{"hour": 12, "minute": 57, "second": 4}
